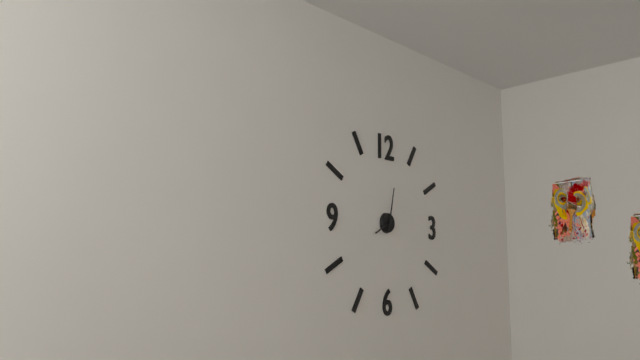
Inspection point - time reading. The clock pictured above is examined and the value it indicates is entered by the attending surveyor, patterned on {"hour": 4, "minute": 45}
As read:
{"hour": 8, "minute": 2}
